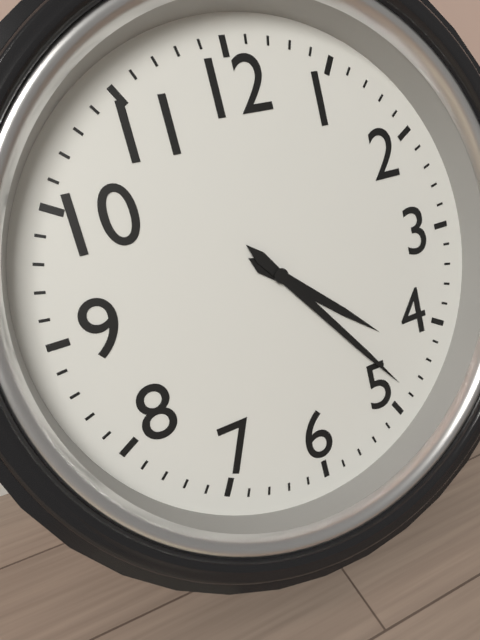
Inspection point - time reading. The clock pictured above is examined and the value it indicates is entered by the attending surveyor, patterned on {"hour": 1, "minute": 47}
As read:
{"hour": 4, "minute": 24}
